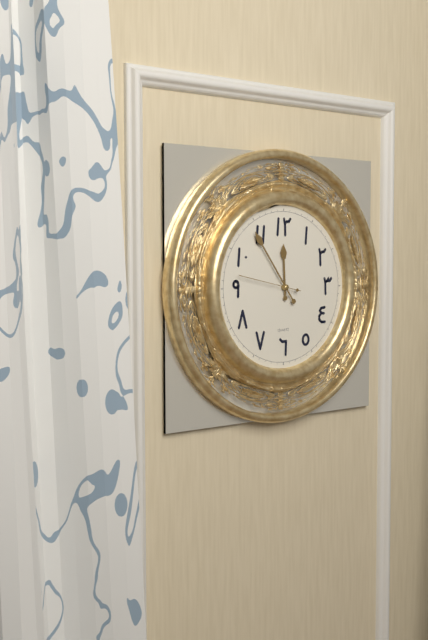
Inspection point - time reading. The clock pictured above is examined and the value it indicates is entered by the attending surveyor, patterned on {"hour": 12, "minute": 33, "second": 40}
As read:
{"hour": 11, "minute": 54, "second": 47}
